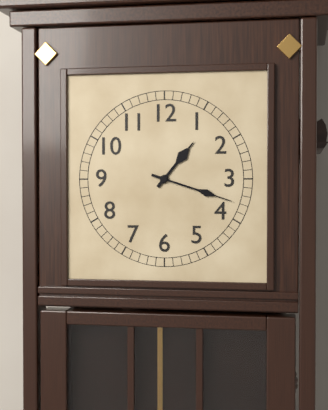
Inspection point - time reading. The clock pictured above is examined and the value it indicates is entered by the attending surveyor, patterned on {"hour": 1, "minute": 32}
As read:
{"hour": 1, "minute": 18}
